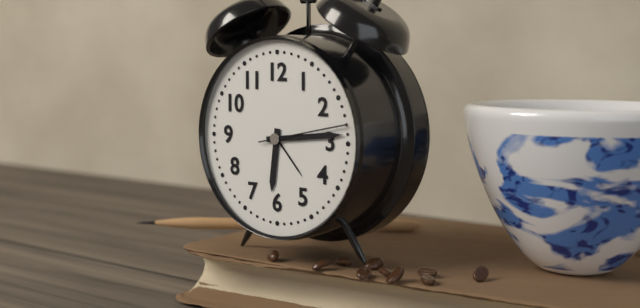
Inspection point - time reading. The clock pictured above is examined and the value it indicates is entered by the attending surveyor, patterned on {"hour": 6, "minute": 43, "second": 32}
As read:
{"hour": 6, "minute": 14, "second": 13}
